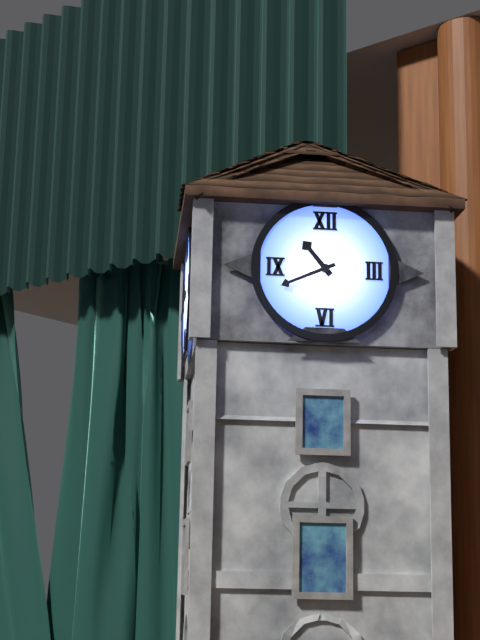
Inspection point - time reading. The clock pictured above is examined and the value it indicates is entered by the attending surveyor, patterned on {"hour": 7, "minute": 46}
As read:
{"hour": 10, "minute": 41}
